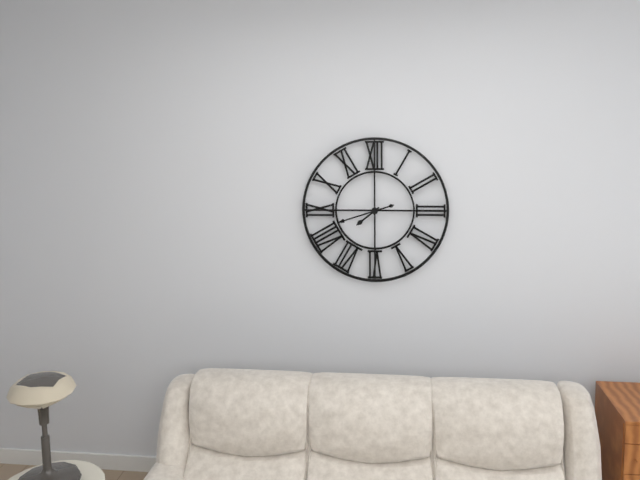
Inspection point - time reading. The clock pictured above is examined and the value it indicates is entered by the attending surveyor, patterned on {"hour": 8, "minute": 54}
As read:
{"hour": 7, "minute": 42}
